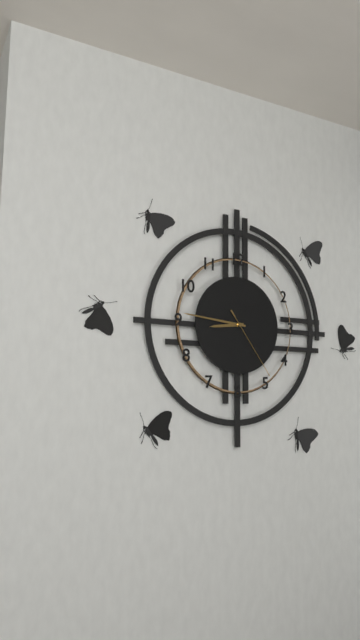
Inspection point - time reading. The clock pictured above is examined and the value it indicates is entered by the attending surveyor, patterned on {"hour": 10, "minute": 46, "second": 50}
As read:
{"hour": 8, "minute": 46, "second": 24}
